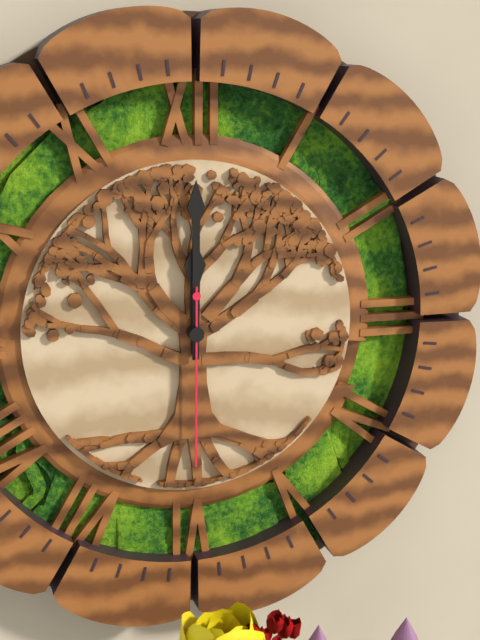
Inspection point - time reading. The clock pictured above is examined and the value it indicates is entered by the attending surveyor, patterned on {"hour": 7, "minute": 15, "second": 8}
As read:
{"hour": 12, "minute": 0, "second": 30}
